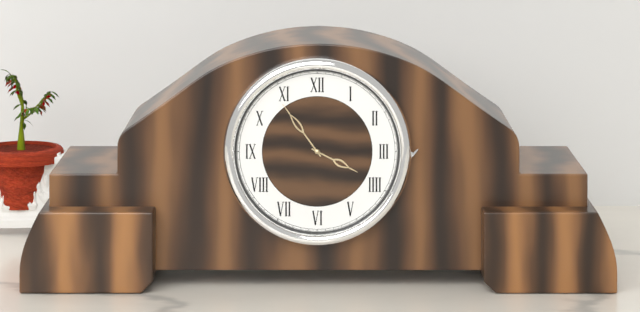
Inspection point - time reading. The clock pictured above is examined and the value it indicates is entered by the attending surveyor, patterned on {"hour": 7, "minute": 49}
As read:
{"hour": 3, "minute": 54}
